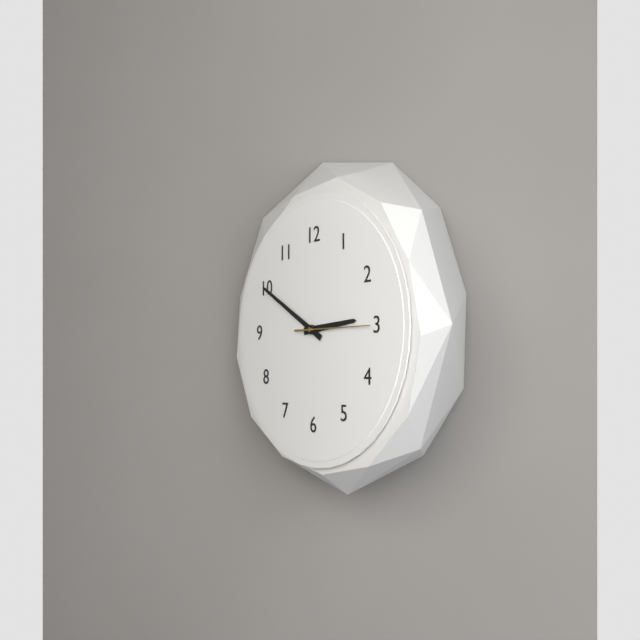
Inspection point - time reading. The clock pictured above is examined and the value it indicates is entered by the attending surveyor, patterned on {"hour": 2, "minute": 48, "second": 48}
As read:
{"hour": 2, "minute": 50, "second": 15}
